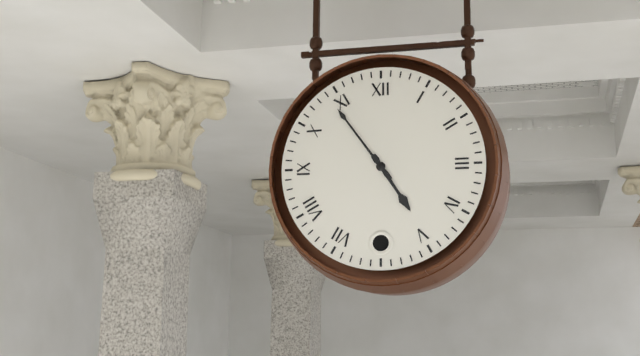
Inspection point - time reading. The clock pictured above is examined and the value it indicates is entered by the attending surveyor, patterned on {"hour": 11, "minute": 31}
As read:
{"hour": 4, "minute": 54}
